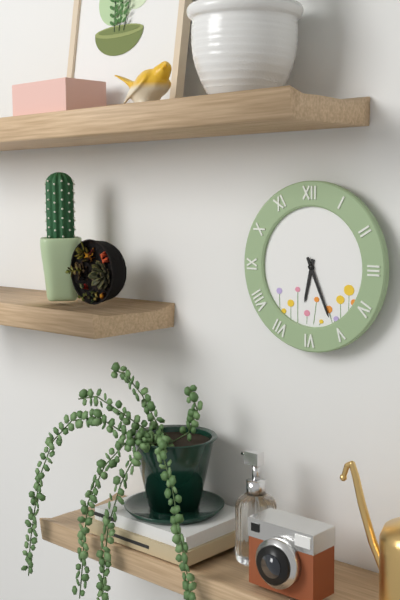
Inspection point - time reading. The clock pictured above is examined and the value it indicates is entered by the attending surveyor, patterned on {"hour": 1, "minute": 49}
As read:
{"hour": 6, "minute": 26}
